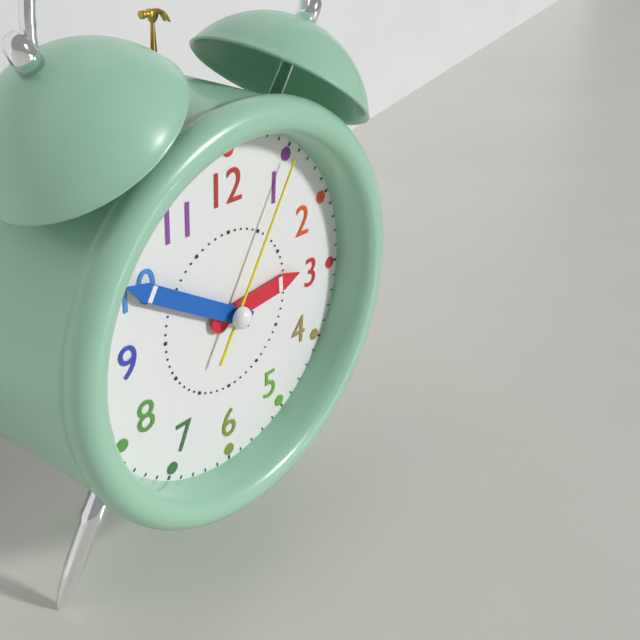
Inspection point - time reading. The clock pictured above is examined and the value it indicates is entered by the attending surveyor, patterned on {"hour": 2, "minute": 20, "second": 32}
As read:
{"hour": 2, "minute": 50, "second": 5}
